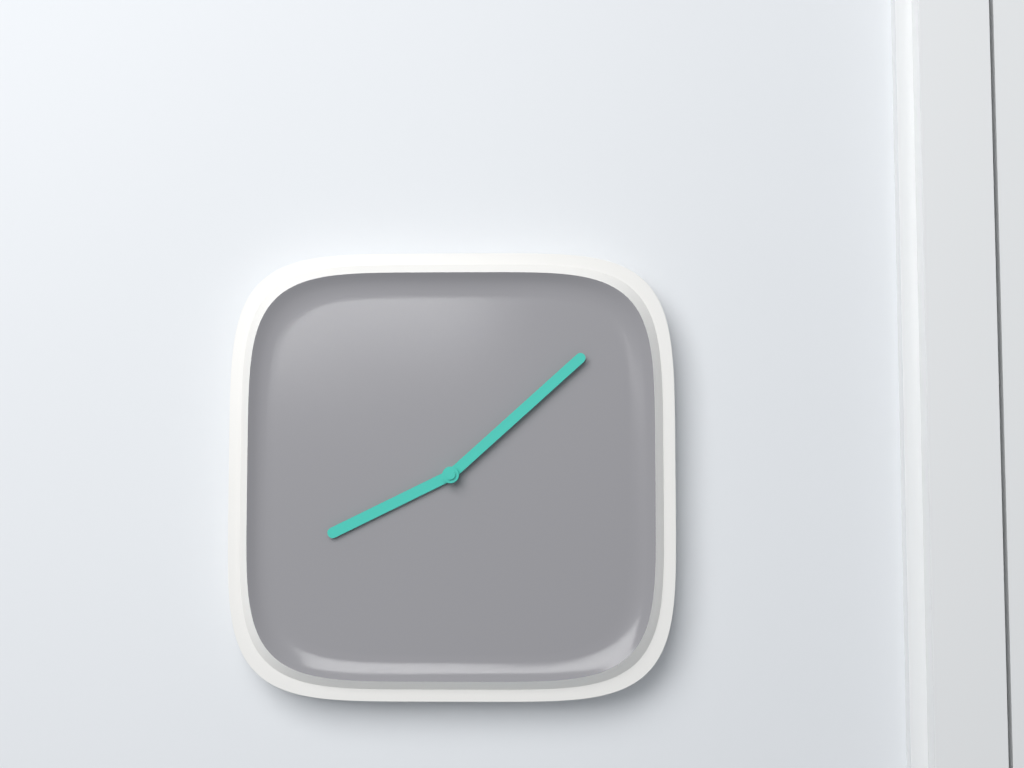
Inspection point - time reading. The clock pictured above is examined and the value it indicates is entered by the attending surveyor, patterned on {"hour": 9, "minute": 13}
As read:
{"hour": 8, "minute": 8}
